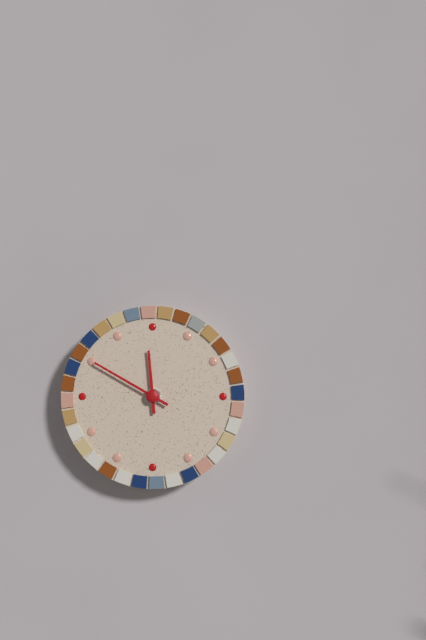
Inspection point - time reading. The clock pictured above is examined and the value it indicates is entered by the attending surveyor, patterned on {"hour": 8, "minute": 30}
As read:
{"hour": 11, "minute": 50}
